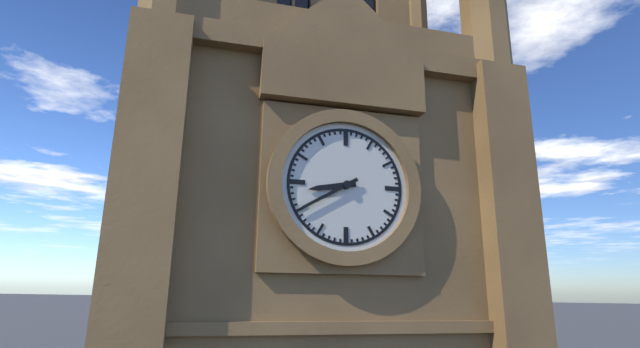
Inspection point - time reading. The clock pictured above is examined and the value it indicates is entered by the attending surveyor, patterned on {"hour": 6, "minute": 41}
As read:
{"hour": 8, "minute": 40}
